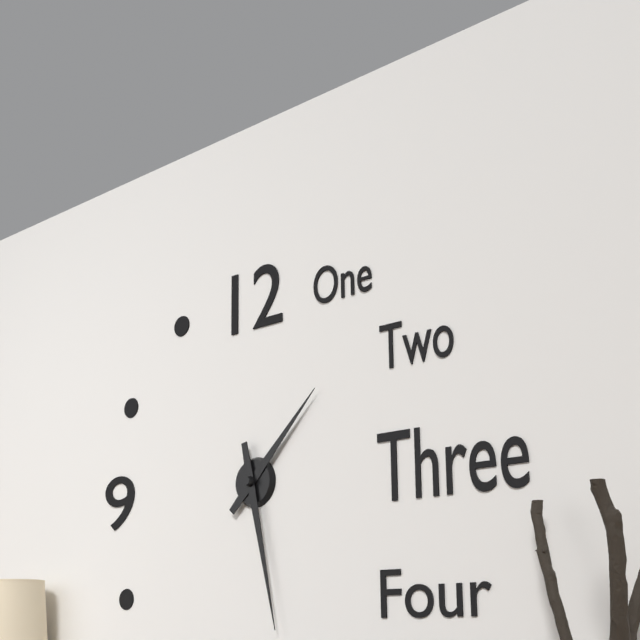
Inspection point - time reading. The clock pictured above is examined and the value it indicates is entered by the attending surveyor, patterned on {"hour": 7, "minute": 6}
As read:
{"hour": 1, "minute": 28}
